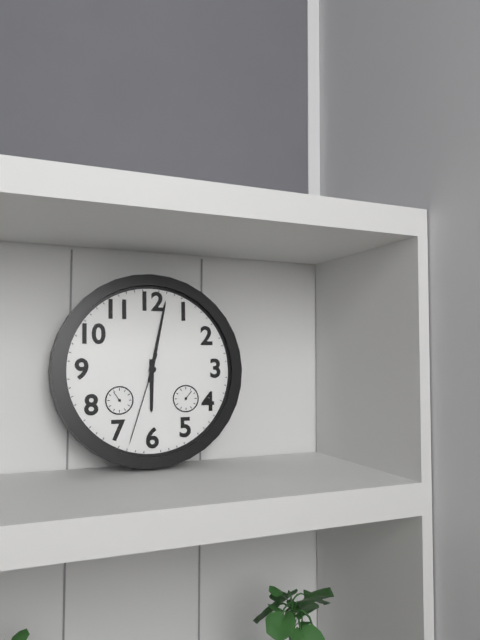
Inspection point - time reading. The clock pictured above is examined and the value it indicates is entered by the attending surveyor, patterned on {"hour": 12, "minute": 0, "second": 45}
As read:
{"hour": 6, "minute": 2, "second": 33}
